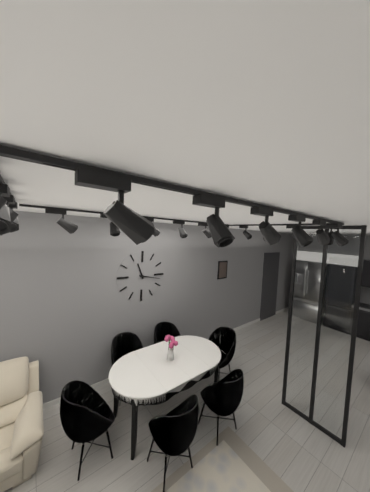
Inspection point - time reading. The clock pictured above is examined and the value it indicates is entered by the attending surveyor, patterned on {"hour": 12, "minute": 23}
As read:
{"hour": 11, "minute": 17}
